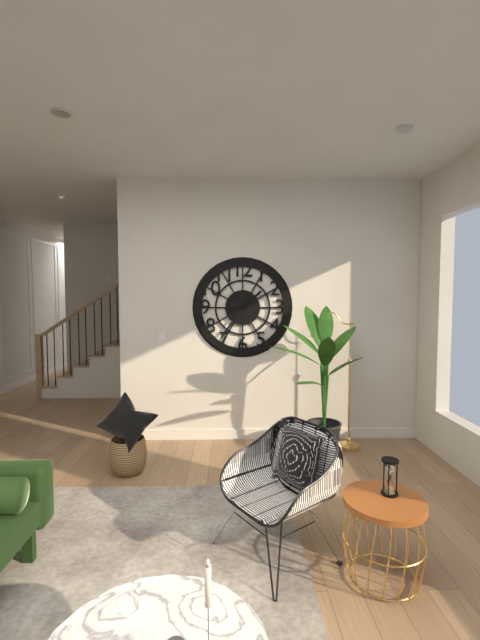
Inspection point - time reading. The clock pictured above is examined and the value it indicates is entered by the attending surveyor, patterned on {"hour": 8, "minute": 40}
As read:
{"hour": 1, "minute": 36}
